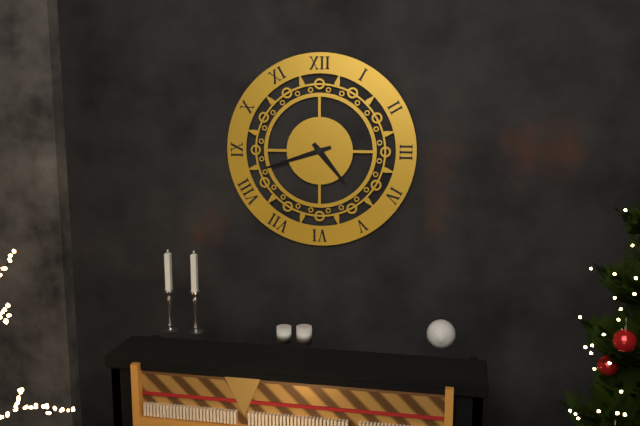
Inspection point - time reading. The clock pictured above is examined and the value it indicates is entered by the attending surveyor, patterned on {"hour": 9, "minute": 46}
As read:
{"hour": 4, "minute": 42}
